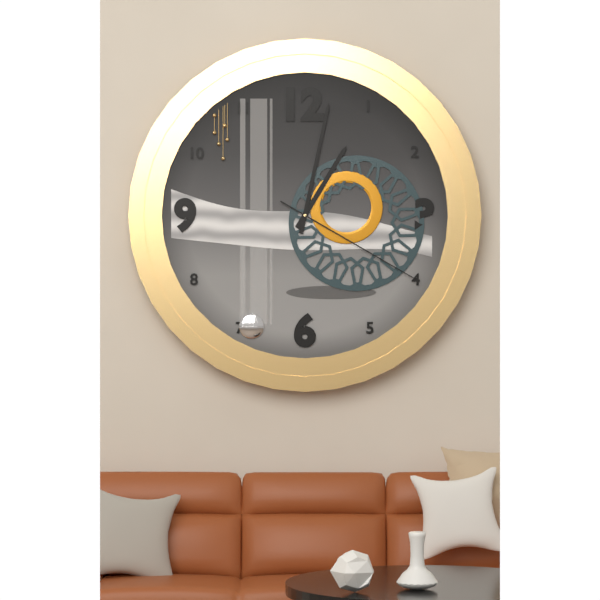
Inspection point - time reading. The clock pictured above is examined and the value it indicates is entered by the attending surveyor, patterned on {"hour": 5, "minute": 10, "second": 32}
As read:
{"hour": 1, "minute": 2, "second": 20}
